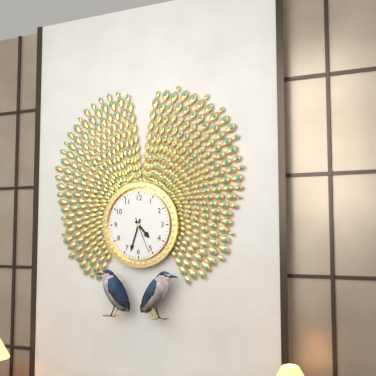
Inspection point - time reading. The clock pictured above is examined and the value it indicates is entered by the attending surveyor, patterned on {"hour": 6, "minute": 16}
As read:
{"hour": 4, "minute": 33}
